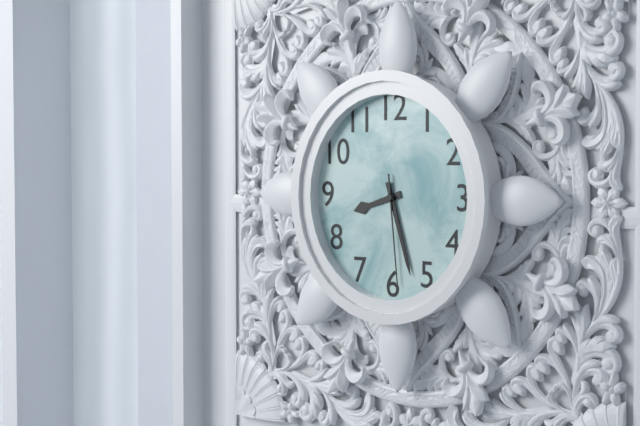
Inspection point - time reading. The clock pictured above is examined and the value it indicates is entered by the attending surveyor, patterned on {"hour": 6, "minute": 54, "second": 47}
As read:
{"hour": 8, "minute": 27, "second": 29}
